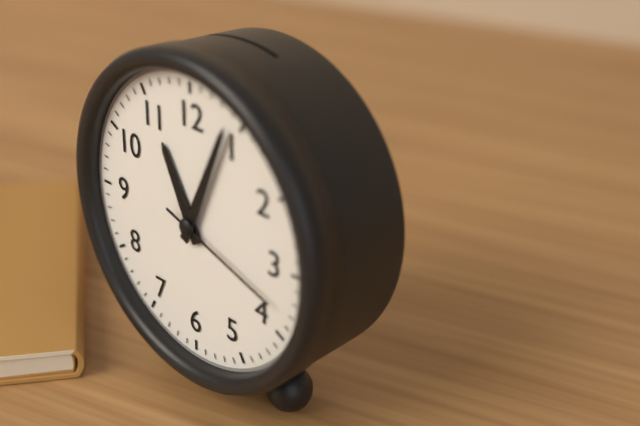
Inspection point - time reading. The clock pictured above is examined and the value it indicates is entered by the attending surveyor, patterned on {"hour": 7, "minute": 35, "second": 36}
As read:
{"hour": 11, "minute": 4, "second": 18}
